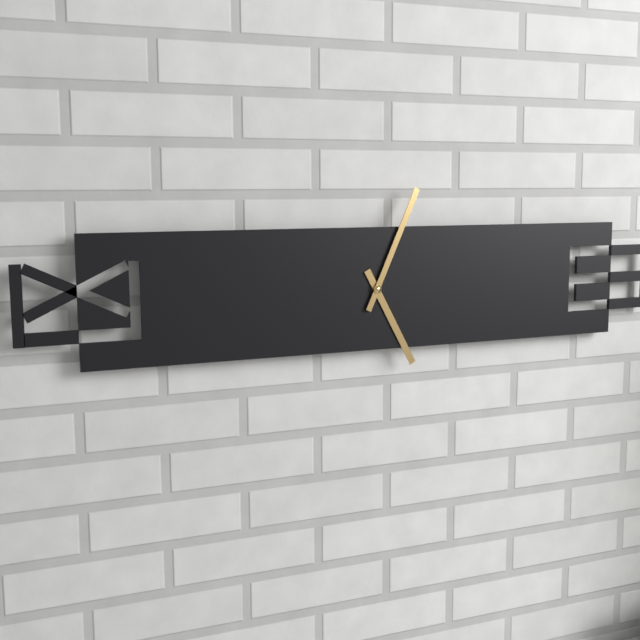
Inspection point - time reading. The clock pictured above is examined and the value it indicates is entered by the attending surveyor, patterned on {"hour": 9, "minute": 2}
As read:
{"hour": 5, "minute": 4}
